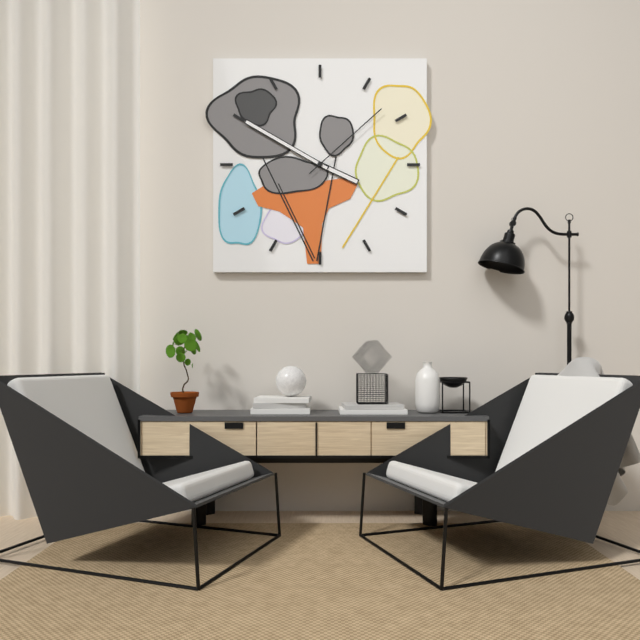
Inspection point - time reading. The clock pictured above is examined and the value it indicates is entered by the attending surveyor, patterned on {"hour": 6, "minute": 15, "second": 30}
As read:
{"hour": 3, "minute": 50, "second": 8}
